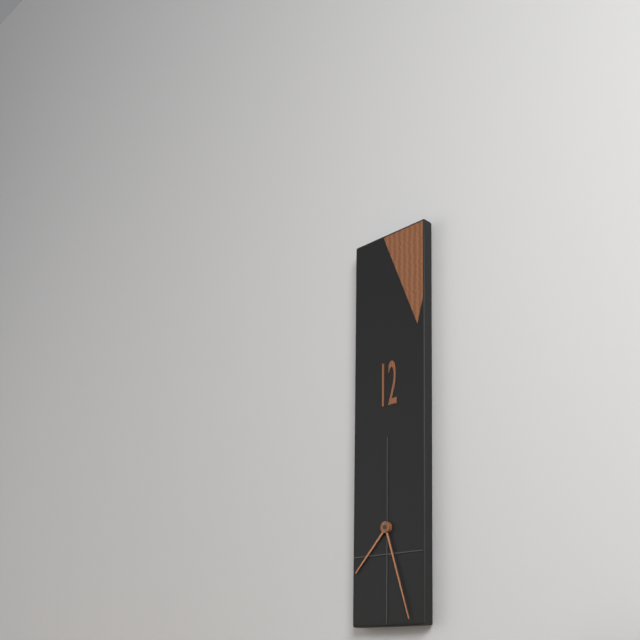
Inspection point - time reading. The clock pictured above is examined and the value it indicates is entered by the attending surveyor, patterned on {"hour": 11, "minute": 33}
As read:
{"hour": 7, "minute": 27}
